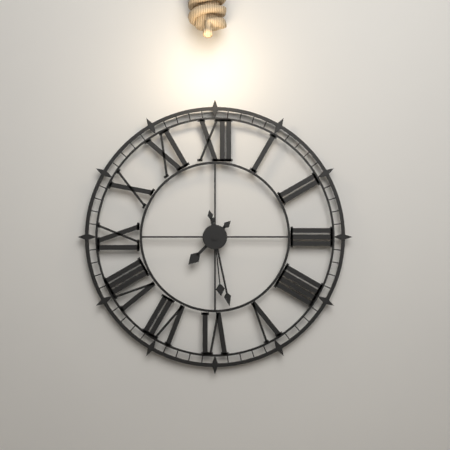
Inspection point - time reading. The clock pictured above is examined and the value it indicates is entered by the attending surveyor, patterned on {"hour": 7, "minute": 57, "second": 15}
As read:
{"hour": 7, "minute": 28, "second": 29}
